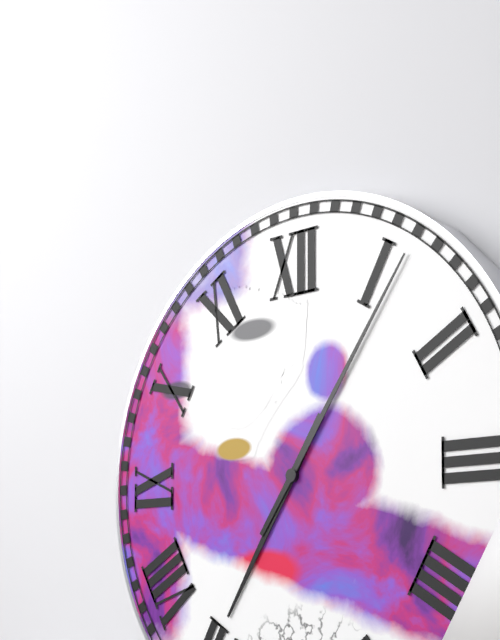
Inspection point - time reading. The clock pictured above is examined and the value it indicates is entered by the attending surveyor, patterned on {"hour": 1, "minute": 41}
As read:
{"hour": 7, "minute": 6}
